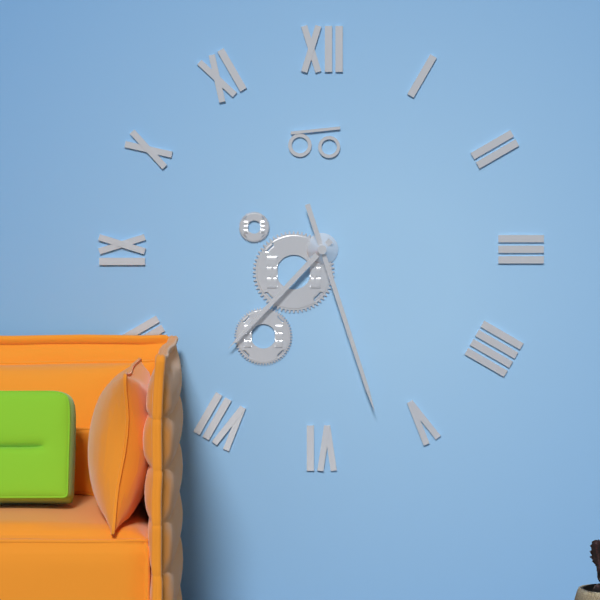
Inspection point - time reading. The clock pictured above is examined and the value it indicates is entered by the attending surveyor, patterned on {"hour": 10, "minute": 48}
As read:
{"hour": 7, "minute": 27}
